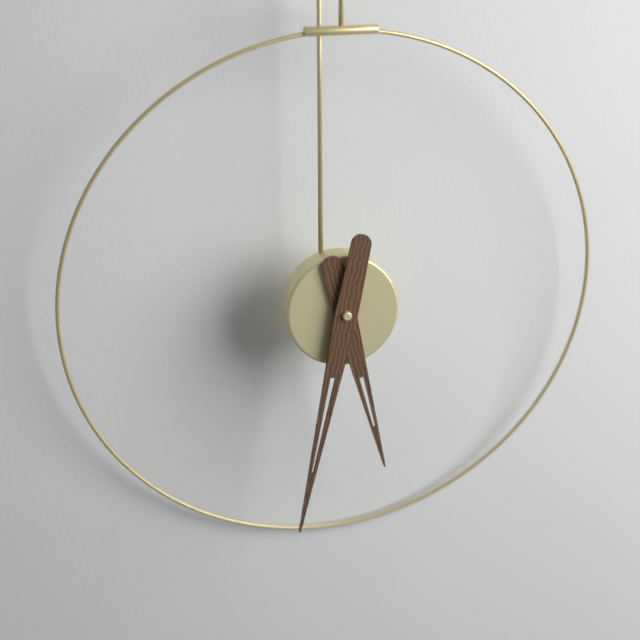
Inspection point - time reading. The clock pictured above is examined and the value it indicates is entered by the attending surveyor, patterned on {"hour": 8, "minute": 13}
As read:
{"hour": 5, "minute": 32}
